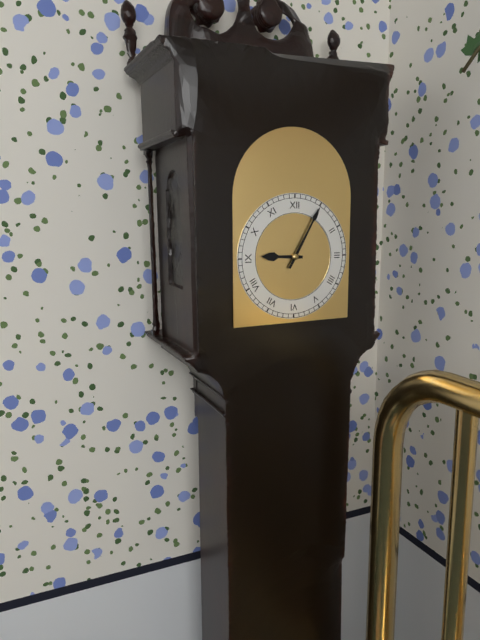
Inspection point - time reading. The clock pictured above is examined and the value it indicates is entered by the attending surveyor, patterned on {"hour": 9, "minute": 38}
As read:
{"hour": 9, "minute": 5}
